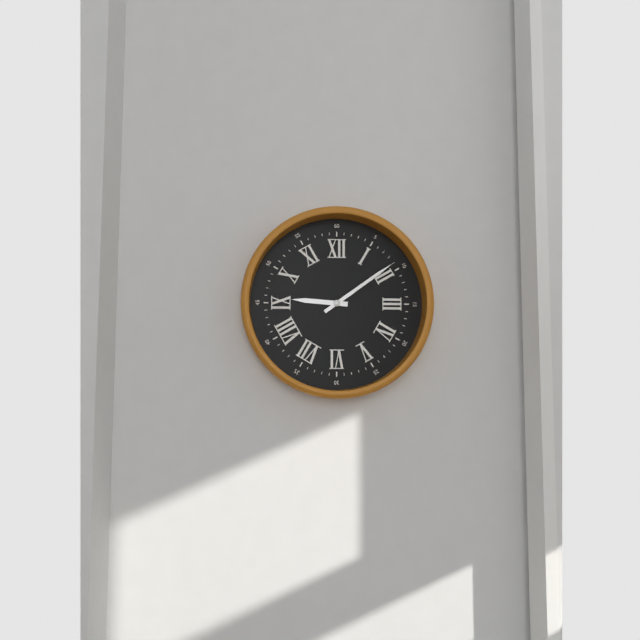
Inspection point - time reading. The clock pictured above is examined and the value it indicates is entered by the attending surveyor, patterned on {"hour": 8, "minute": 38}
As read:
{"hour": 9, "minute": 9}
